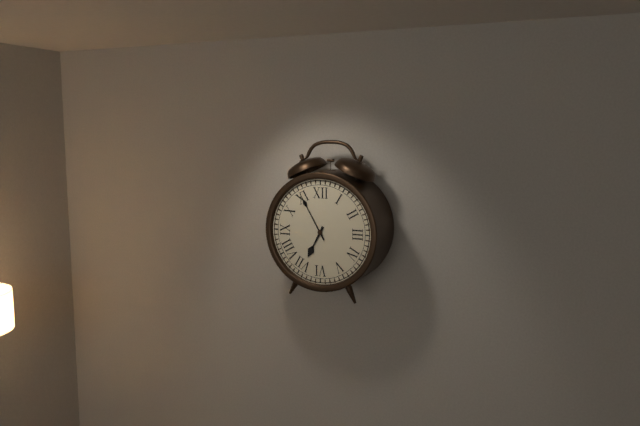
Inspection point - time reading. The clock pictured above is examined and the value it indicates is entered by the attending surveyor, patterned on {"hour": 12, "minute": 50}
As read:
{"hour": 6, "minute": 55}
